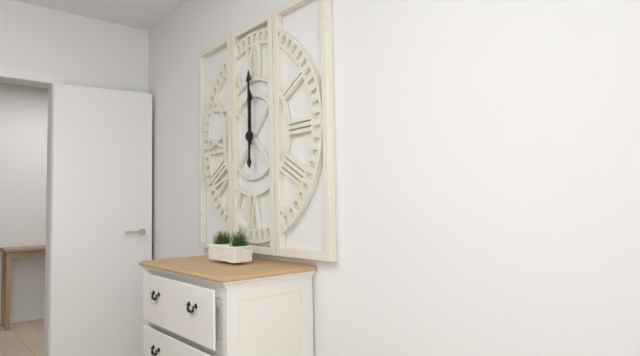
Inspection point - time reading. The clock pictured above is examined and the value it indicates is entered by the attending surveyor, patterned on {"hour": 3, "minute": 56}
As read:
{"hour": 12, "minute": 0}
